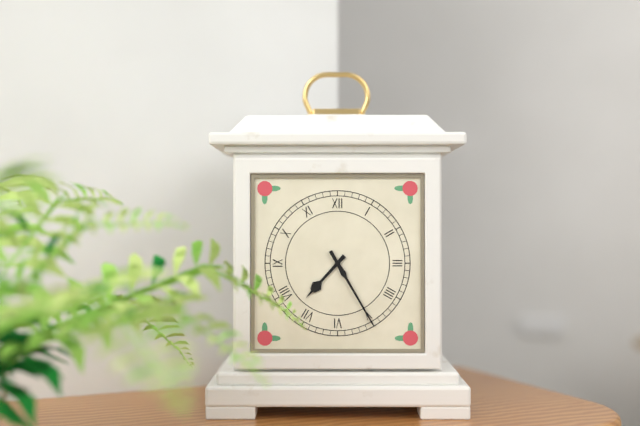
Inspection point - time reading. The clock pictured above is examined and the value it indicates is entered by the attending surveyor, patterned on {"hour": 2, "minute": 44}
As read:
{"hour": 7, "minute": 25}
